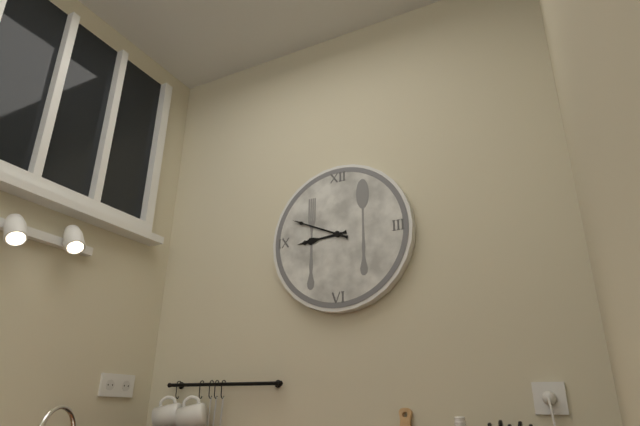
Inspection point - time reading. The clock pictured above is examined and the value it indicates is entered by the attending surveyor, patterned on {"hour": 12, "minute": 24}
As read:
{"hour": 8, "minute": 49}
